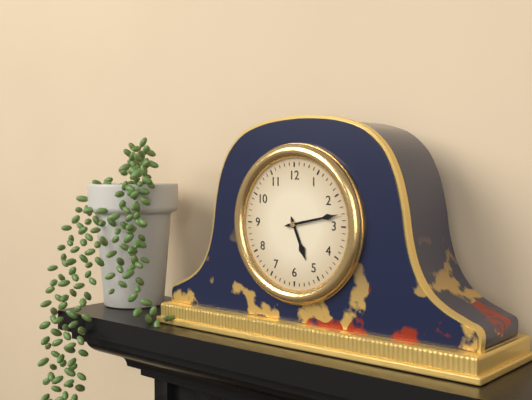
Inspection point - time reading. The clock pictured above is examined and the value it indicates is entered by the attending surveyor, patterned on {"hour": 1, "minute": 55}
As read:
{"hour": 5, "minute": 13}
